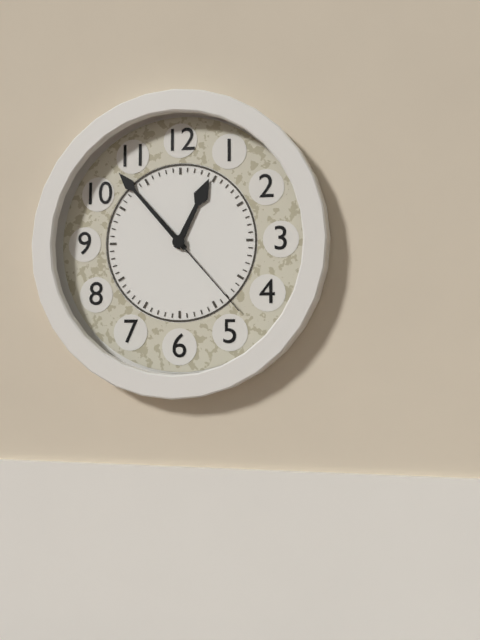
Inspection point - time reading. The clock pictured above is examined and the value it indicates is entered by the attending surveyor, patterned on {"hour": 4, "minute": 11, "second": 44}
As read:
{"hour": 12, "minute": 53, "second": 23}
